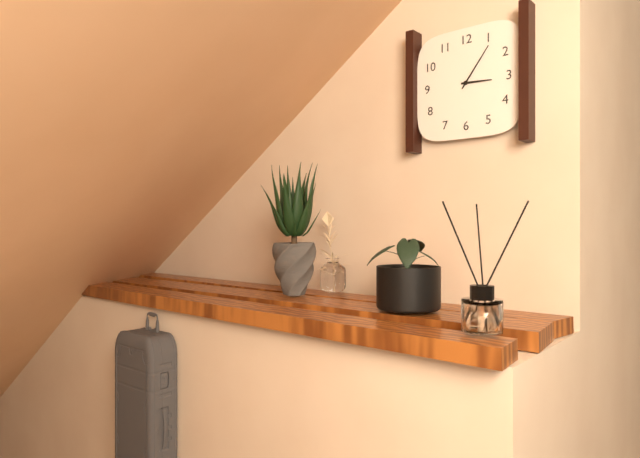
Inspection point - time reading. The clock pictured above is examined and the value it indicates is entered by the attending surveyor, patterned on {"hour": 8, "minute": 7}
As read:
{"hour": 3, "minute": 6}
